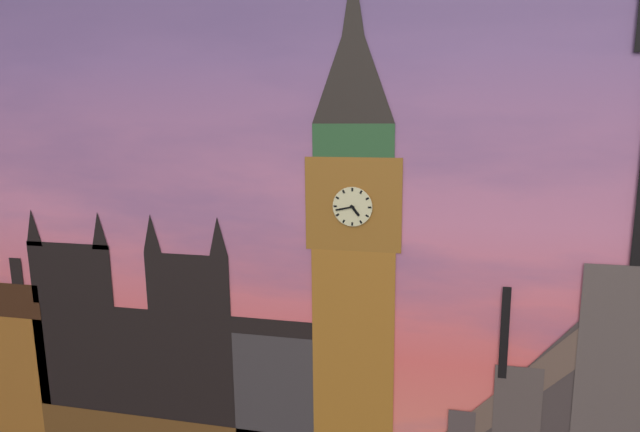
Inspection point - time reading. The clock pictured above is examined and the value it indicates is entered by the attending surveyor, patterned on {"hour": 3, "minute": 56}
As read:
{"hour": 4, "minute": 43}
